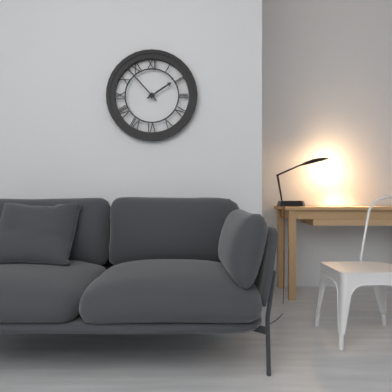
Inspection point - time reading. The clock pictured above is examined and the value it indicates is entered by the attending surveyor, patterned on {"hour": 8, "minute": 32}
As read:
{"hour": 1, "minute": 53}
